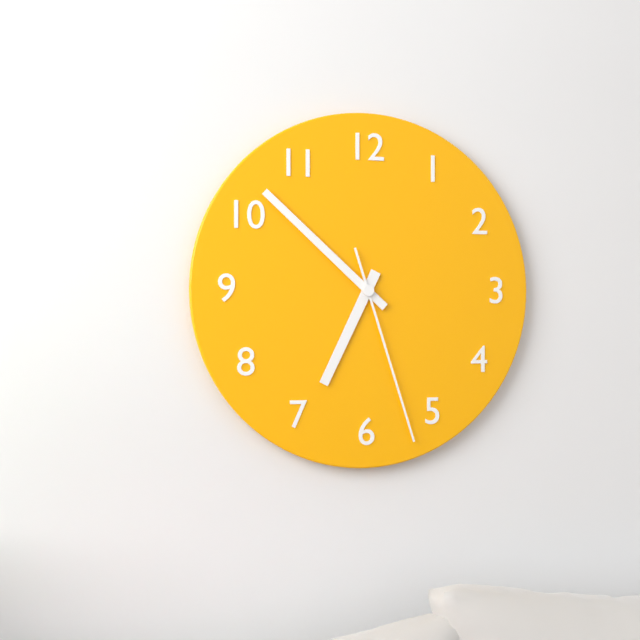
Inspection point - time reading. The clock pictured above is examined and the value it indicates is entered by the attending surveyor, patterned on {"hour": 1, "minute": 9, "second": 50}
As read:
{"hour": 6, "minute": 52, "second": 27}
